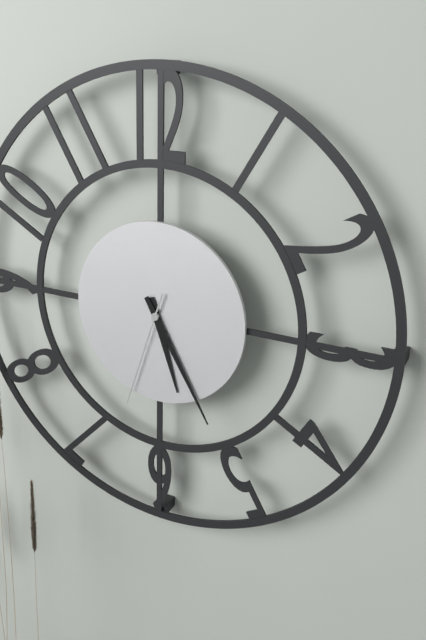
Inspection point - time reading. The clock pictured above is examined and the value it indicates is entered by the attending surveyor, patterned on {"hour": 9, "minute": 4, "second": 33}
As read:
{"hour": 5, "minute": 25, "second": 33}
